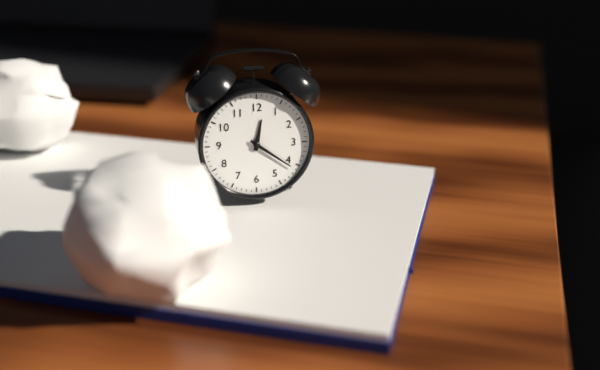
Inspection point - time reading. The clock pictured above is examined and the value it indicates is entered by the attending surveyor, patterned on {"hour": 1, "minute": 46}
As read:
{"hour": 12, "minute": 21}
